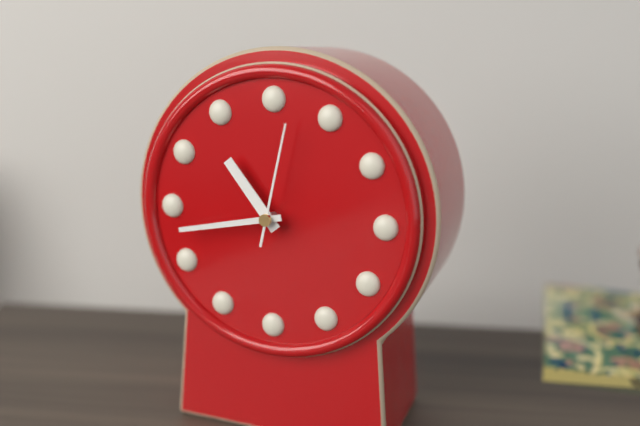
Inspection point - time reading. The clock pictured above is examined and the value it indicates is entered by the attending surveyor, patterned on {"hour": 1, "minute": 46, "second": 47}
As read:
{"hour": 10, "minute": 43, "second": 2}
